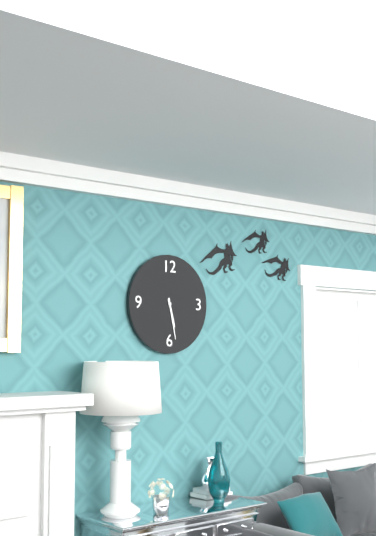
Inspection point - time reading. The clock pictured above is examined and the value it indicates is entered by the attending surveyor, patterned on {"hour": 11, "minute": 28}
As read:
{"hour": 5, "minute": 28}
